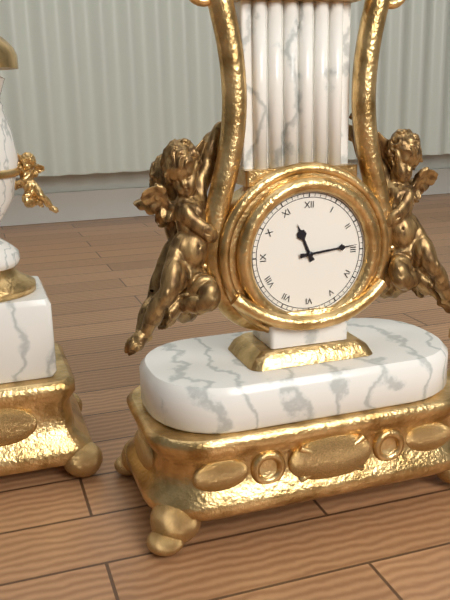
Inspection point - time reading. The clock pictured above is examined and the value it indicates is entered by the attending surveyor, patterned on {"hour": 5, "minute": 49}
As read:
{"hour": 11, "minute": 14}
